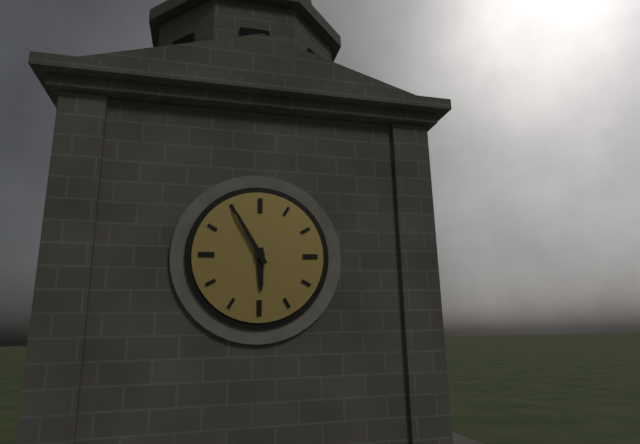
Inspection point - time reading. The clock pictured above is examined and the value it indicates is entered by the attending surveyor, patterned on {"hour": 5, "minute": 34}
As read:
{"hour": 5, "minute": 55}
